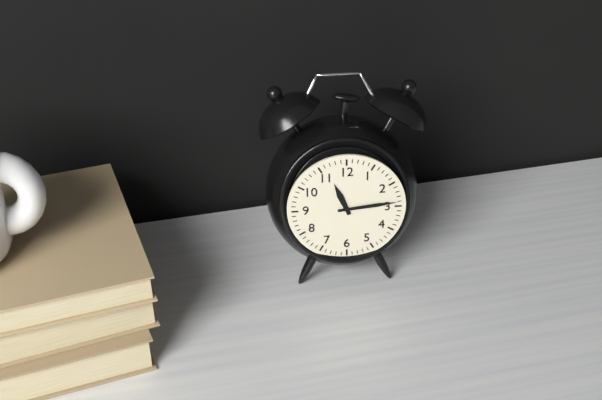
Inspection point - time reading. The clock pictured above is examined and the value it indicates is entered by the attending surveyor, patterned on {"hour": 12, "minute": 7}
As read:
{"hour": 11, "minute": 14}
